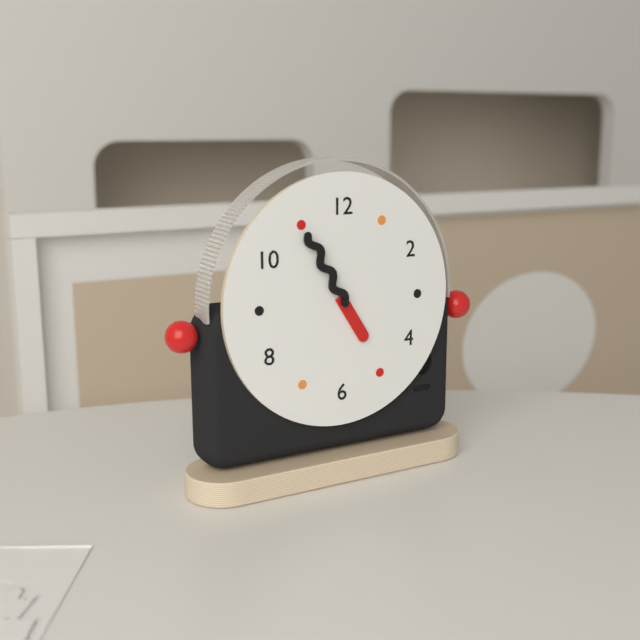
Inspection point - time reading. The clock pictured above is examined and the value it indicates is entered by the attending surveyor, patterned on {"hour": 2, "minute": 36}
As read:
{"hour": 4, "minute": 55}
